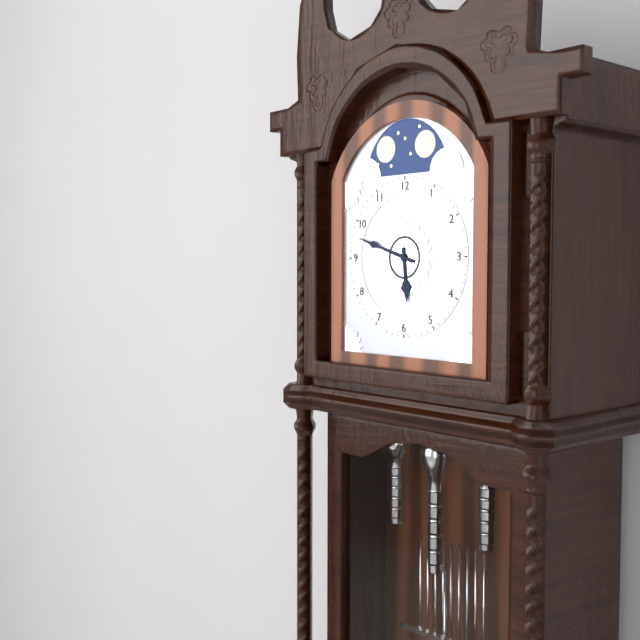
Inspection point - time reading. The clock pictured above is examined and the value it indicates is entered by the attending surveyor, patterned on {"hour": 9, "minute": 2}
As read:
{"hour": 5, "minute": 48}
